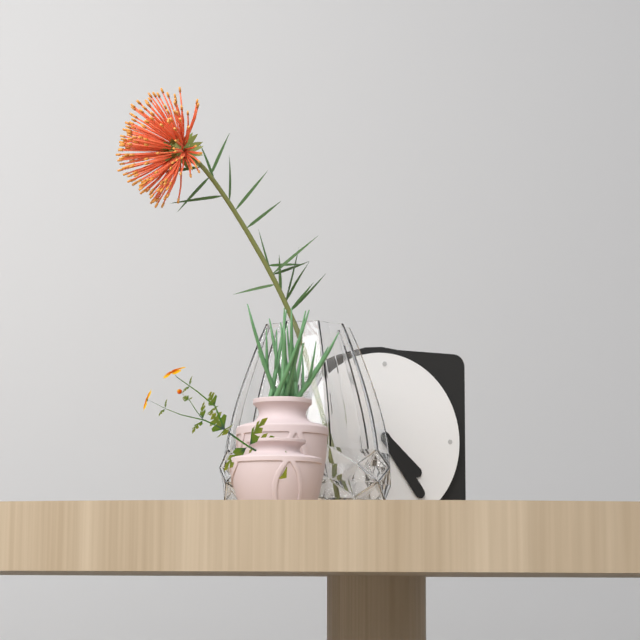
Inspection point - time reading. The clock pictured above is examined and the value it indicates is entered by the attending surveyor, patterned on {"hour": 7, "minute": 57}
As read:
{"hour": 4, "minute": 24}
